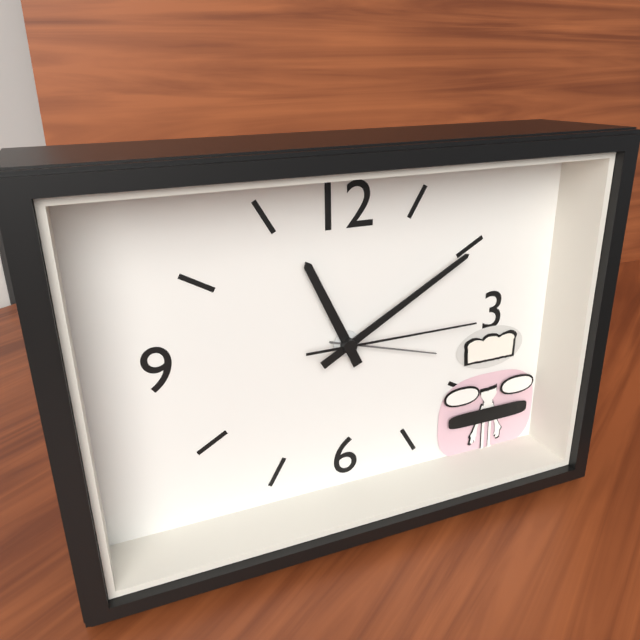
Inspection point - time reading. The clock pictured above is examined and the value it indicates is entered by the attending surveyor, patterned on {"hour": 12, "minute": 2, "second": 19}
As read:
{"hour": 11, "minute": 10, "second": 15}
